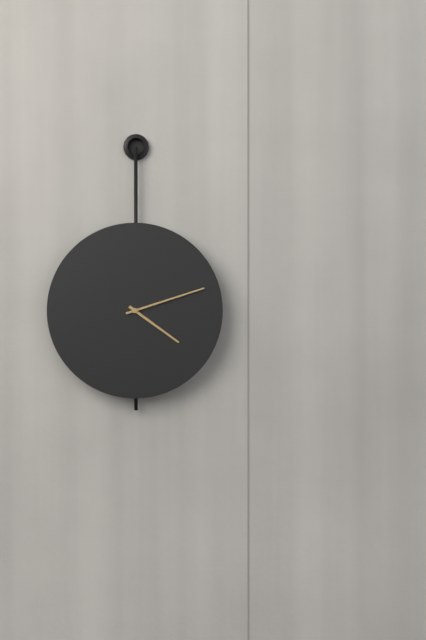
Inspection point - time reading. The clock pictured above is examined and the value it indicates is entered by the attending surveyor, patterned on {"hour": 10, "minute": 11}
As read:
{"hour": 4, "minute": 12}
